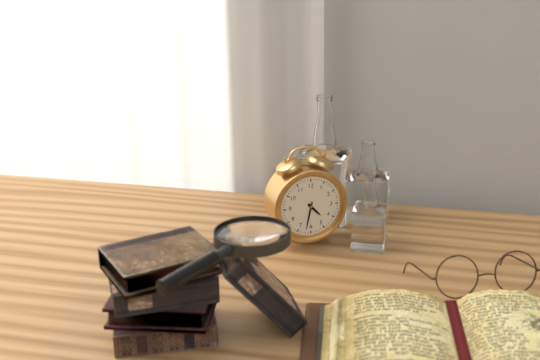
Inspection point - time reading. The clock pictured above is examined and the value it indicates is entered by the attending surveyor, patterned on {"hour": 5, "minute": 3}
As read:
{"hour": 4, "minute": 32}
